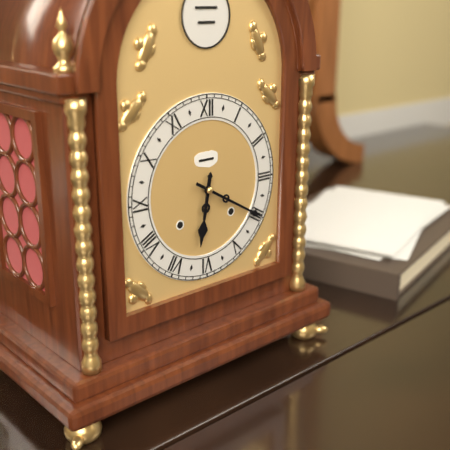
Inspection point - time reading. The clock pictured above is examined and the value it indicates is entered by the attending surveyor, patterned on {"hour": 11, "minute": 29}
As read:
{"hour": 6, "minute": 20}
